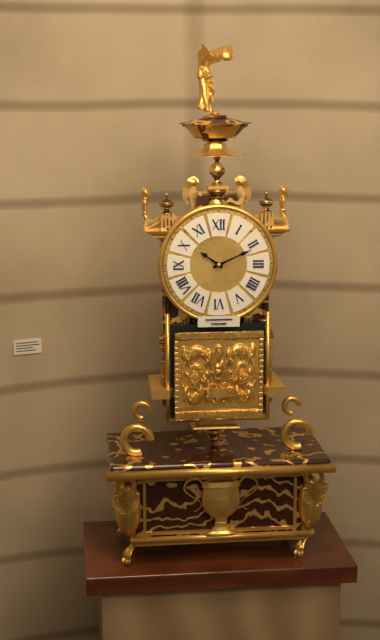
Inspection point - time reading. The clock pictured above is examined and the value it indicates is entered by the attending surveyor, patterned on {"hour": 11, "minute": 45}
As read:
{"hour": 10, "minute": 11}
